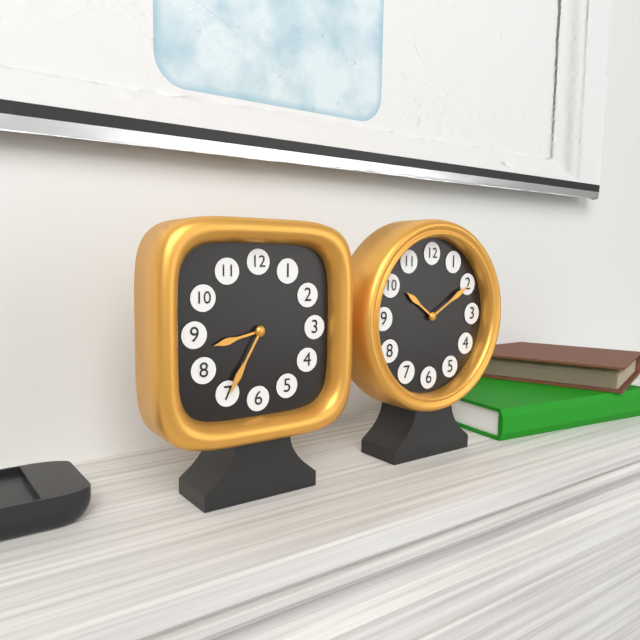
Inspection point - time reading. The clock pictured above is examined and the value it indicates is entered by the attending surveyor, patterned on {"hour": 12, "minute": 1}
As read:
{"hour": 8, "minute": 35}
